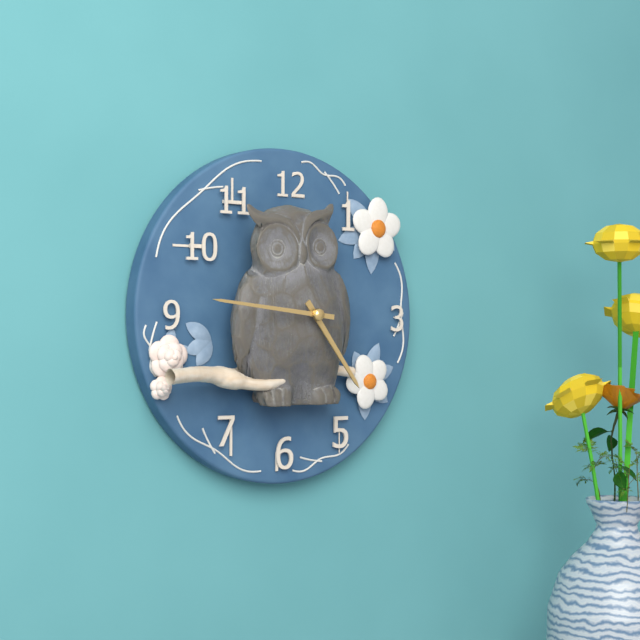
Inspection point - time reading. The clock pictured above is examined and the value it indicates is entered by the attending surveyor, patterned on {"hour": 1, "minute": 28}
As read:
{"hour": 4, "minute": 46}
